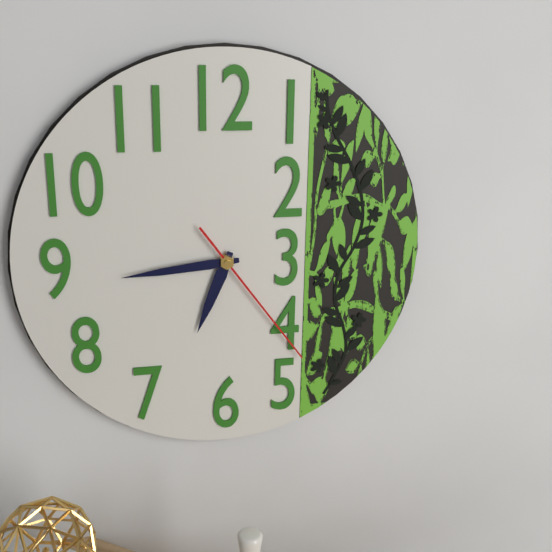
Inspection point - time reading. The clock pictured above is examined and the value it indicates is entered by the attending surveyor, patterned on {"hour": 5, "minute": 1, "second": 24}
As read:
{"hour": 6, "minute": 44, "second": 24}
